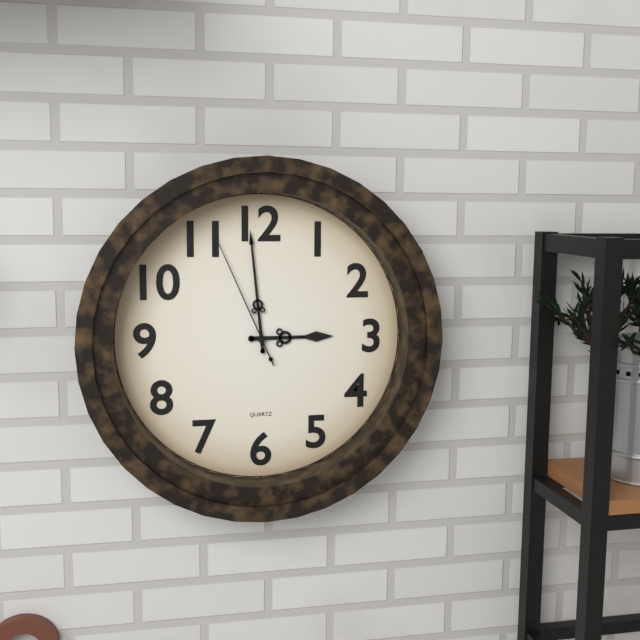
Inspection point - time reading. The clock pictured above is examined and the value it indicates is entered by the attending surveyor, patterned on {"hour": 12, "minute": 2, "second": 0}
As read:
{"hour": 2, "minute": 59, "second": 56}
